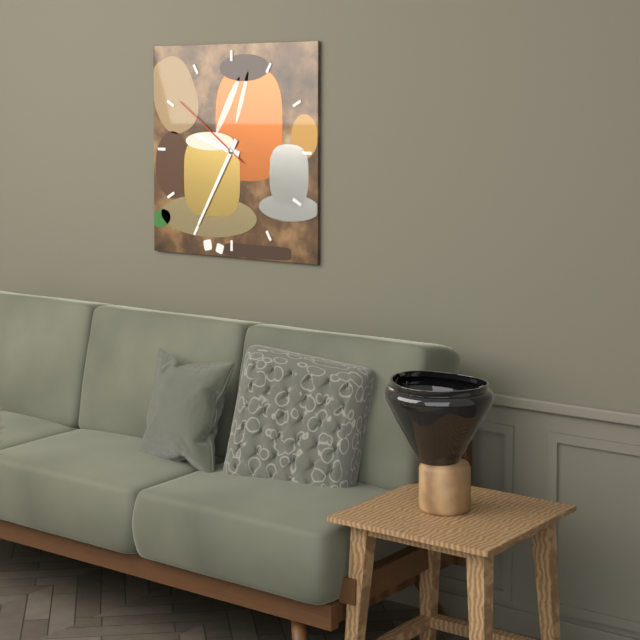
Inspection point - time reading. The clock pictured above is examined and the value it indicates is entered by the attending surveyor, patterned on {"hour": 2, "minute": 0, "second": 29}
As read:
{"hour": 9, "minute": 35, "second": 51}
